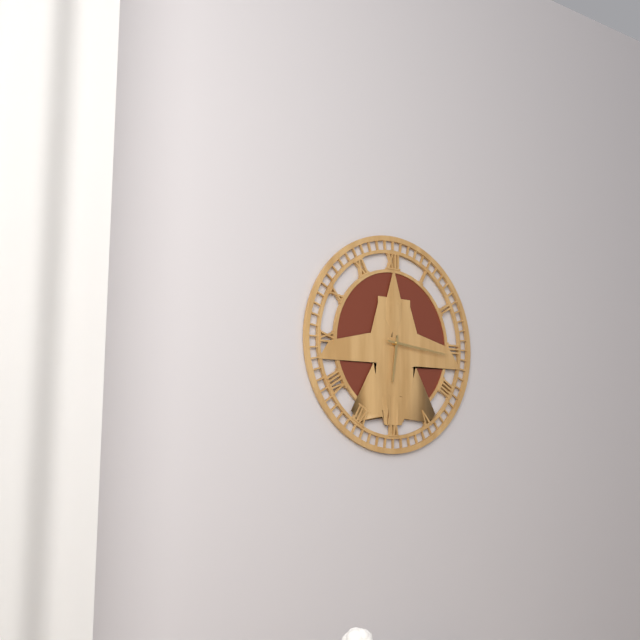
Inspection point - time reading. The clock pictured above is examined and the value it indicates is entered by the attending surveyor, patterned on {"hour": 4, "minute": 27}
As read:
{"hour": 6, "minute": 16}
